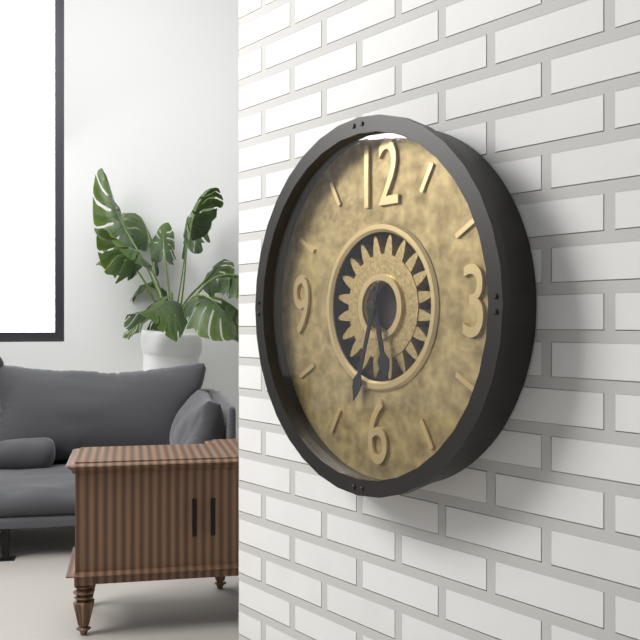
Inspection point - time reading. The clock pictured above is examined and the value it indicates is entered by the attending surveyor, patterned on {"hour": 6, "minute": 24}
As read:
{"hour": 5, "minute": 33}
